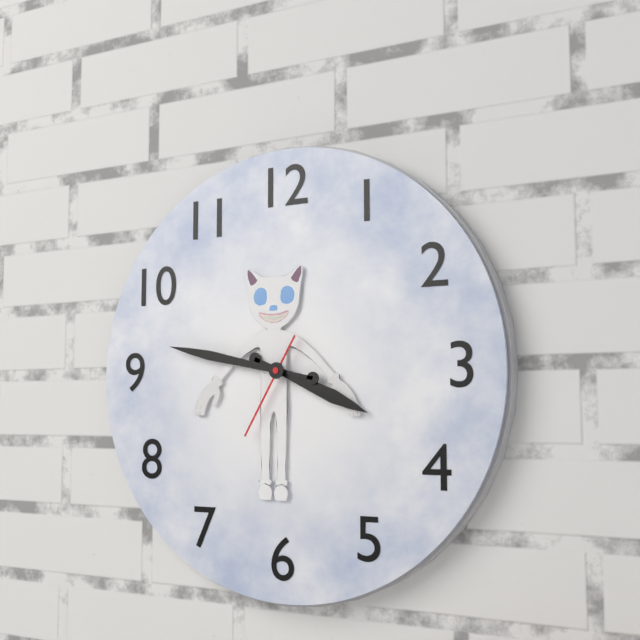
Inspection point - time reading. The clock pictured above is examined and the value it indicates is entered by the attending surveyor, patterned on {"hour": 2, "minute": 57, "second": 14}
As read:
{"hour": 3, "minute": 47, "second": 35}
